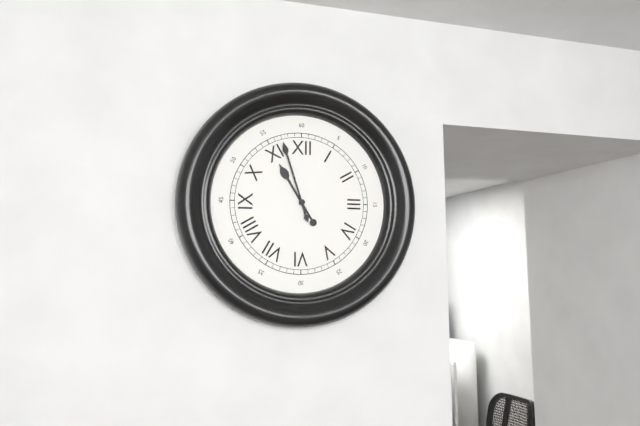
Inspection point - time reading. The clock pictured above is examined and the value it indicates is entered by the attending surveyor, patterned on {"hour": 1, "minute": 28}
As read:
{"hour": 10, "minute": 57}
